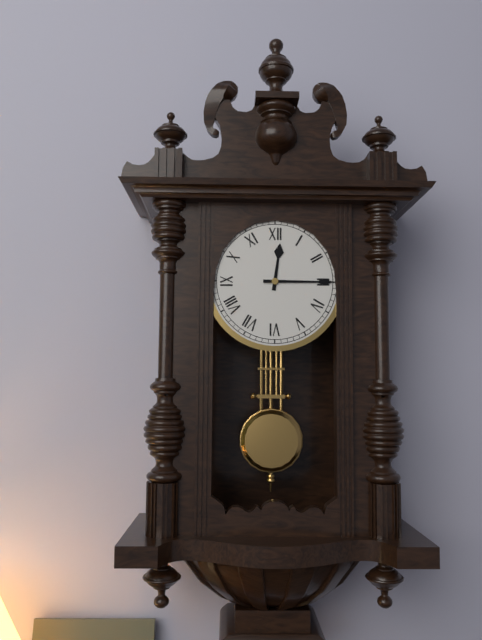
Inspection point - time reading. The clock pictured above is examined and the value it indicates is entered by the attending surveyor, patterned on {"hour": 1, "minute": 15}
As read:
{"hour": 12, "minute": 15}
